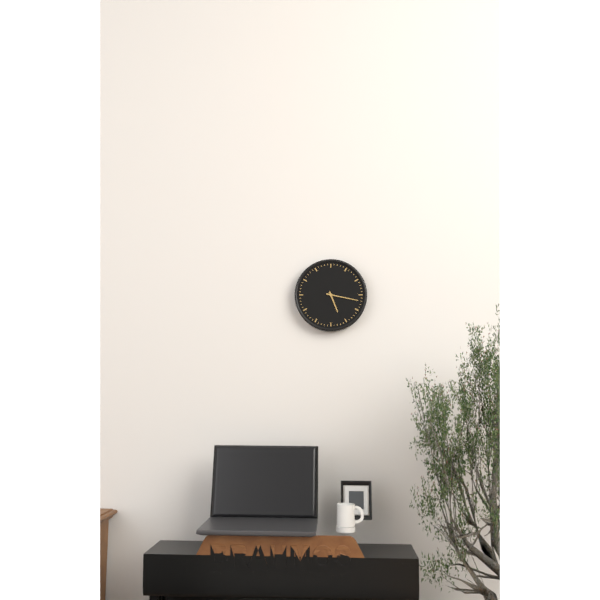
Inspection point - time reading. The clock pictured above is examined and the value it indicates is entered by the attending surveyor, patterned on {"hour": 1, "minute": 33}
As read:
{"hour": 5, "minute": 17}
